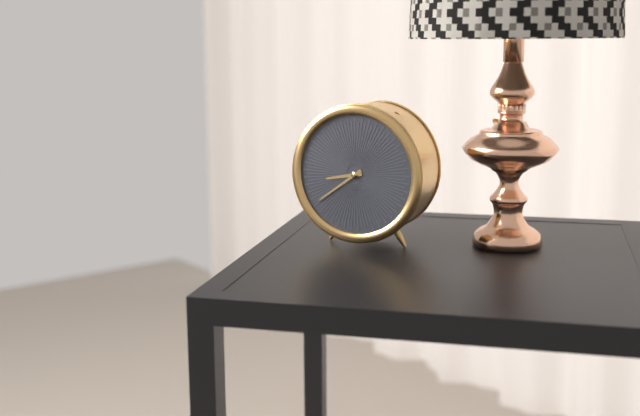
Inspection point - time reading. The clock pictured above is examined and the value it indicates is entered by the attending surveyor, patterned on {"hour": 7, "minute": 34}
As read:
{"hour": 8, "minute": 39}
